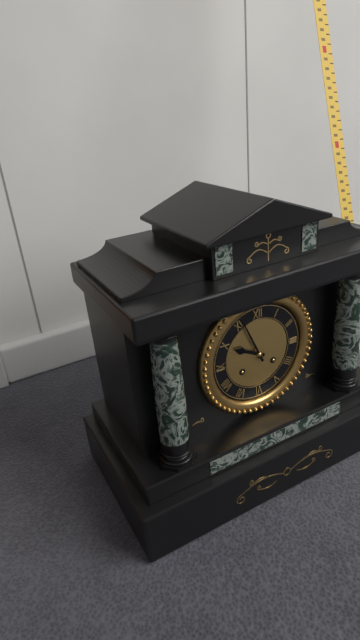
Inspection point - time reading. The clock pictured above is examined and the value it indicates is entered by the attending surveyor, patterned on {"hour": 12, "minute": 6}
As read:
{"hour": 9, "minute": 56}
